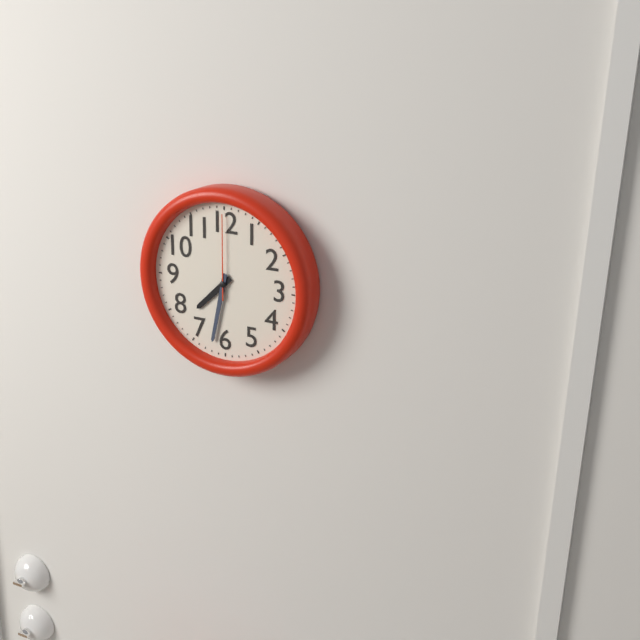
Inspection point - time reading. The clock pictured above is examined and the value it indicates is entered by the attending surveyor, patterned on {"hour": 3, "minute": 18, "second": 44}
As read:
{"hour": 7, "minute": 32, "second": 0}
